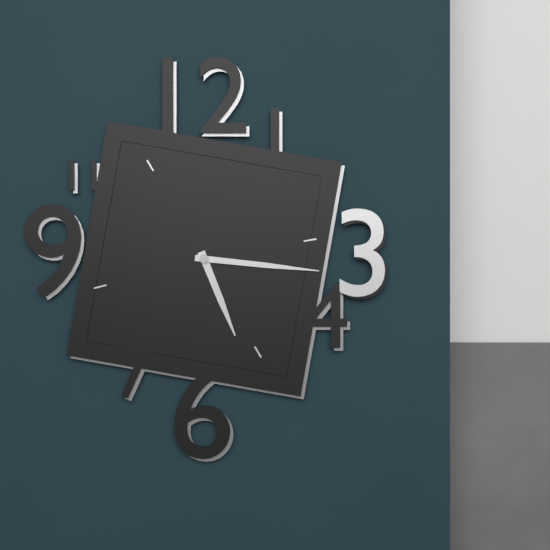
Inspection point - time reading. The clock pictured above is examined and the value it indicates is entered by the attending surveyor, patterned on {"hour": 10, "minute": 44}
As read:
{"hour": 5, "minute": 16}
